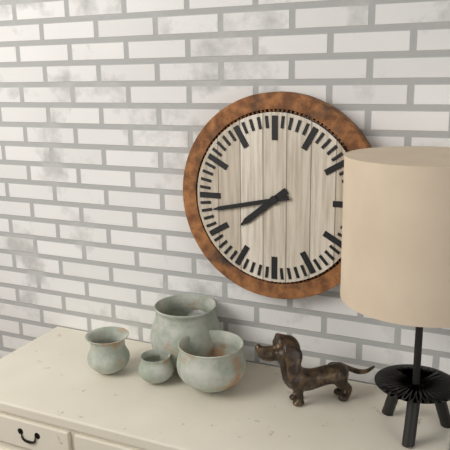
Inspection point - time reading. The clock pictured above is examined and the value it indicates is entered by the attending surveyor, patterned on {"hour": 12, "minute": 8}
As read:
{"hour": 7, "minute": 43}
